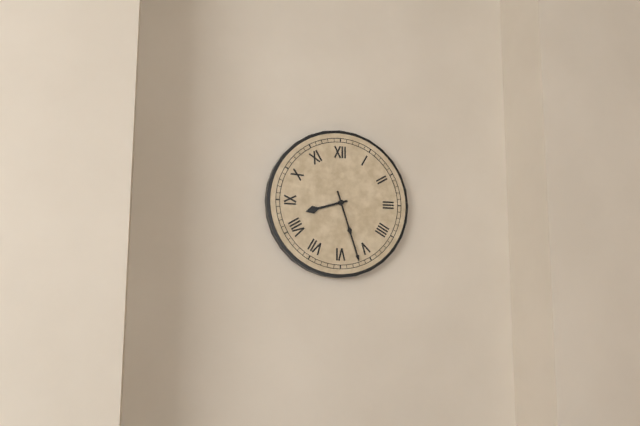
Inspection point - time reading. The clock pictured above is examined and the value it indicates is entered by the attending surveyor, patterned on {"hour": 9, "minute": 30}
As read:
{"hour": 8, "minute": 27}
